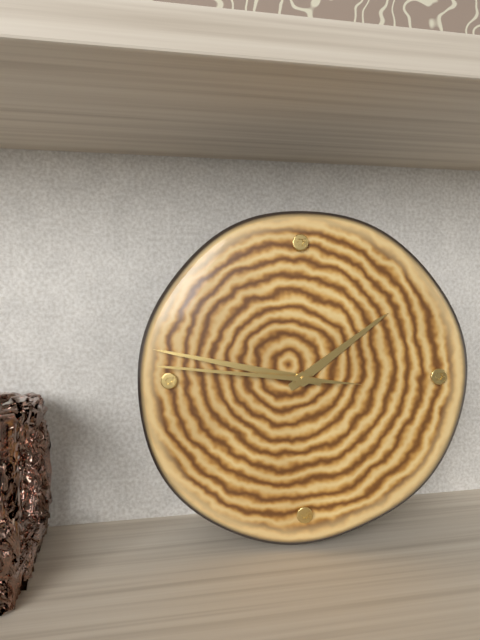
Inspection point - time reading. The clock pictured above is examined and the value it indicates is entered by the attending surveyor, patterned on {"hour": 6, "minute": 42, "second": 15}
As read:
{"hour": 1, "minute": 47, "second": 46}
